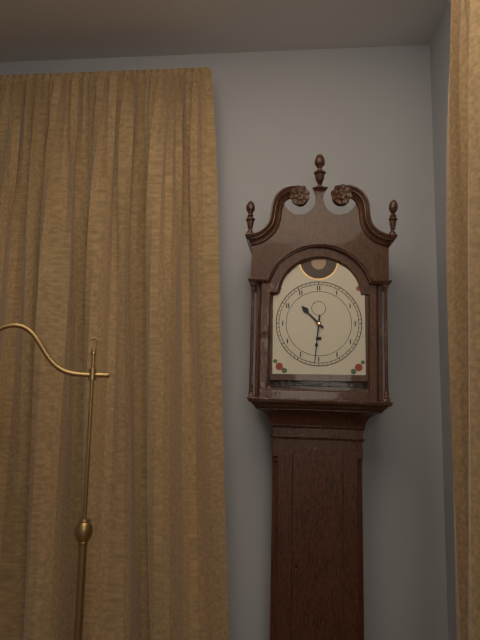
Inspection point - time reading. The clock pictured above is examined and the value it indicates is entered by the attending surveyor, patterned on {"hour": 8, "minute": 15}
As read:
{"hour": 10, "minute": 31}
